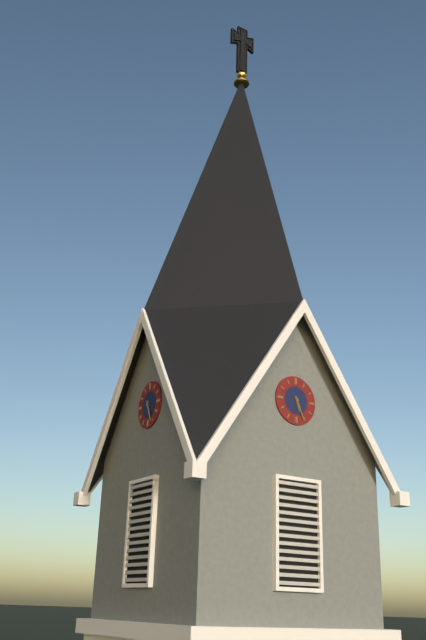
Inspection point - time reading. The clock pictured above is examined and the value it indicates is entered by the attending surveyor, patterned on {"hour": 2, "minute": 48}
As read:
{"hour": 5, "minute": 26}
